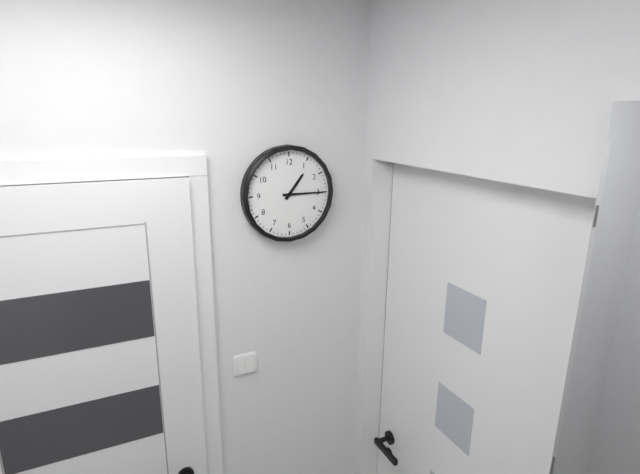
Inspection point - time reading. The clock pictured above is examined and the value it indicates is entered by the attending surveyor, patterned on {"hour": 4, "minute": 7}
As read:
{"hour": 1, "minute": 15}
